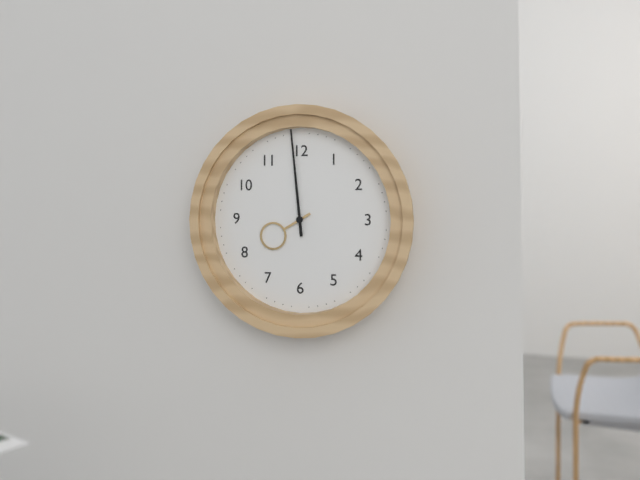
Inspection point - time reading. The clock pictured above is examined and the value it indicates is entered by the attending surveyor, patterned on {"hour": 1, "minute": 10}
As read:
{"hour": 7, "minute": 59}
